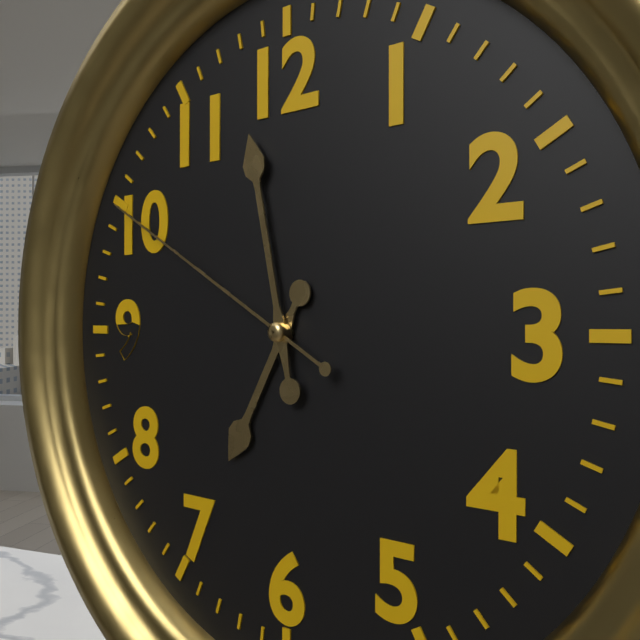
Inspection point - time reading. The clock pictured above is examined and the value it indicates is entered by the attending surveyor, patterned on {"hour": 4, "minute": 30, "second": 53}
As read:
{"hour": 6, "minute": 58, "second": 50}
